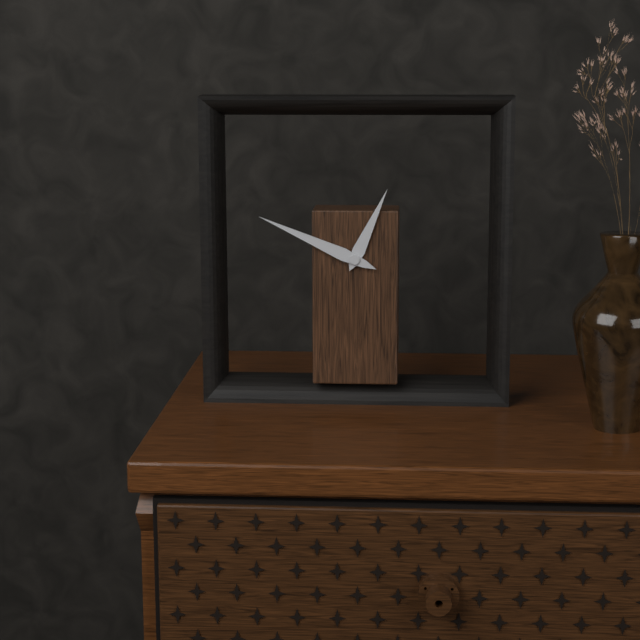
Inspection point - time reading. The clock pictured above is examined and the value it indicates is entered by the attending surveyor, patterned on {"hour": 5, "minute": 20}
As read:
{"hour": 12, "minute": 49}
